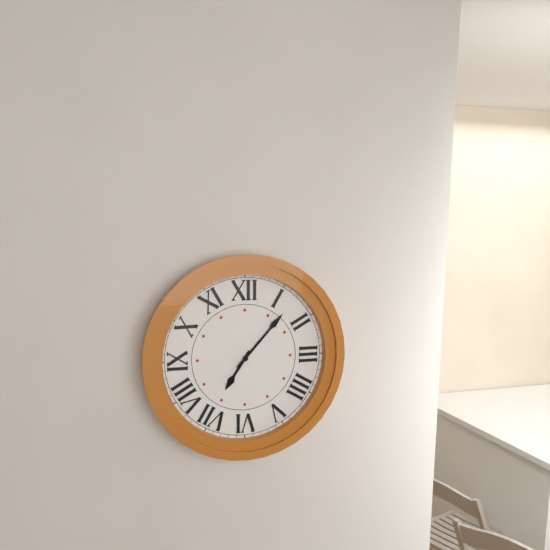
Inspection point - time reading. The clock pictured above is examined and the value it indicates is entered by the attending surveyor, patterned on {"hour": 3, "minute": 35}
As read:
{"hour": 7, "minute": 7}
